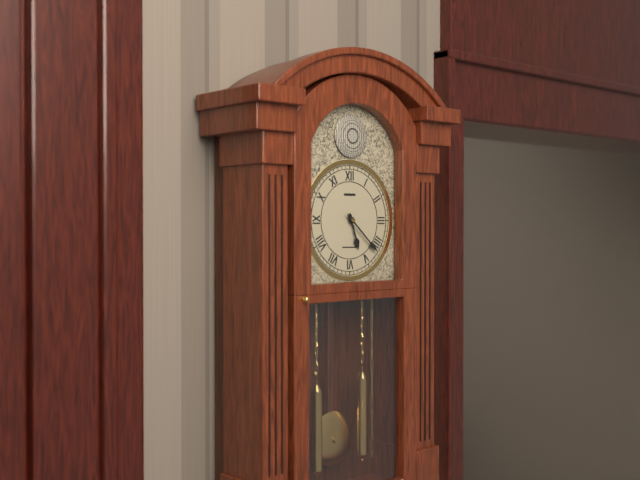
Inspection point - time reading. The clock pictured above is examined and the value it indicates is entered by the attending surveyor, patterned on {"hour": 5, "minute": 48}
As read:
{"hour": 5, "minute": 22}
